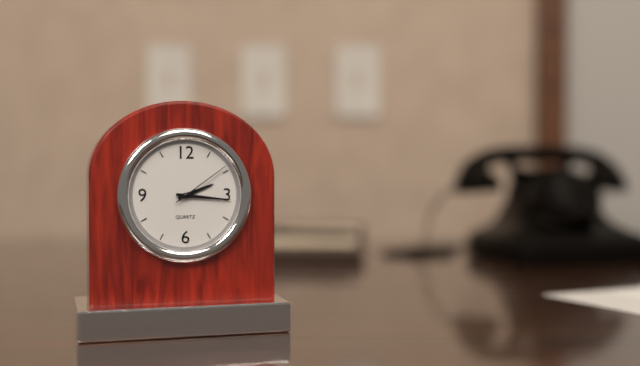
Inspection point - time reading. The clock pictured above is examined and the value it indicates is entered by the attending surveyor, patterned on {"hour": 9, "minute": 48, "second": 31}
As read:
{"hour": 2, "minute": 16, "second": 9}
